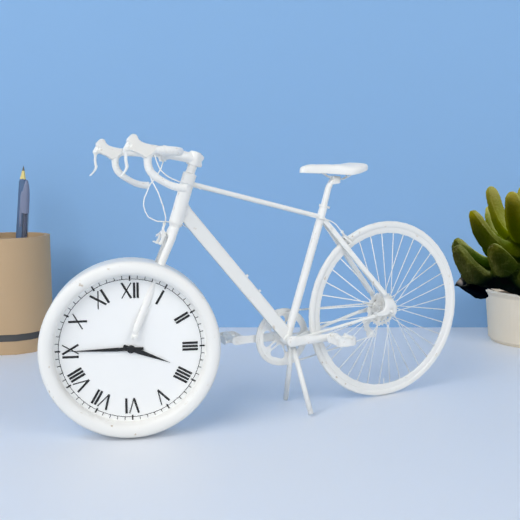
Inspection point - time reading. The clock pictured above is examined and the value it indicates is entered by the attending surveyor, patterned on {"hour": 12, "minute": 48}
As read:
{"hour": 3, "minute": 45}
